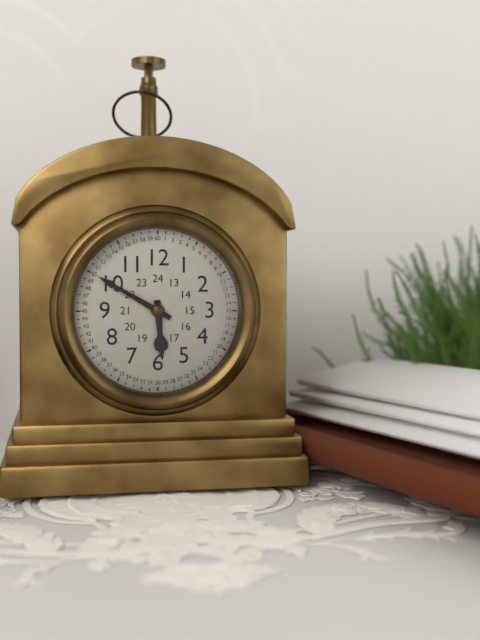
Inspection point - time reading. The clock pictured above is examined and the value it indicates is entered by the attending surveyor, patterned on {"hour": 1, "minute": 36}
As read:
{"hour": 5, "minute": 50}
